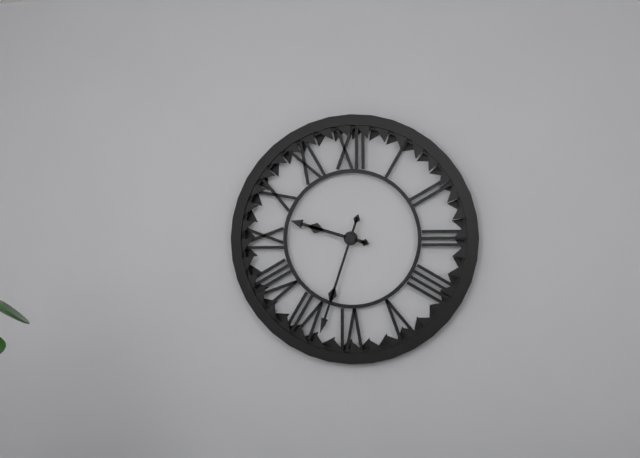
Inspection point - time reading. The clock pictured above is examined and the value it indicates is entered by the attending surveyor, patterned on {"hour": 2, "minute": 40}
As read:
{"hour": 9, "minute": 33}
